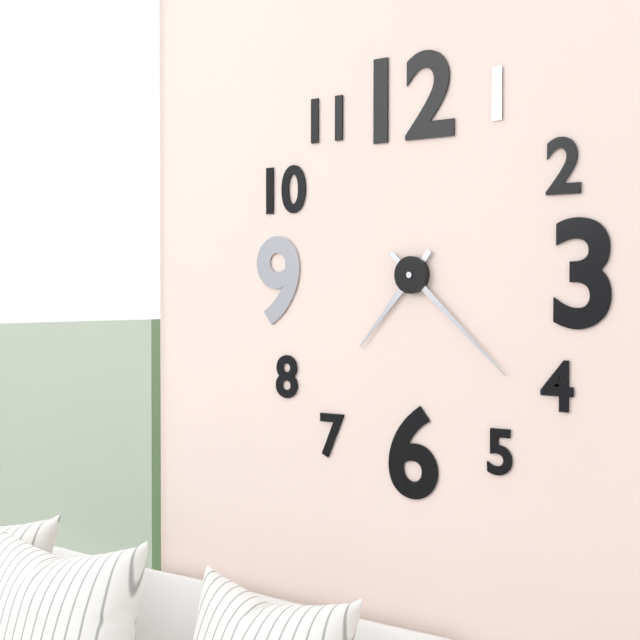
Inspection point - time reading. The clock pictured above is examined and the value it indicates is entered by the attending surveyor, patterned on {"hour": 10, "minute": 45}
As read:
{"hour": 7, "minute": 22}
